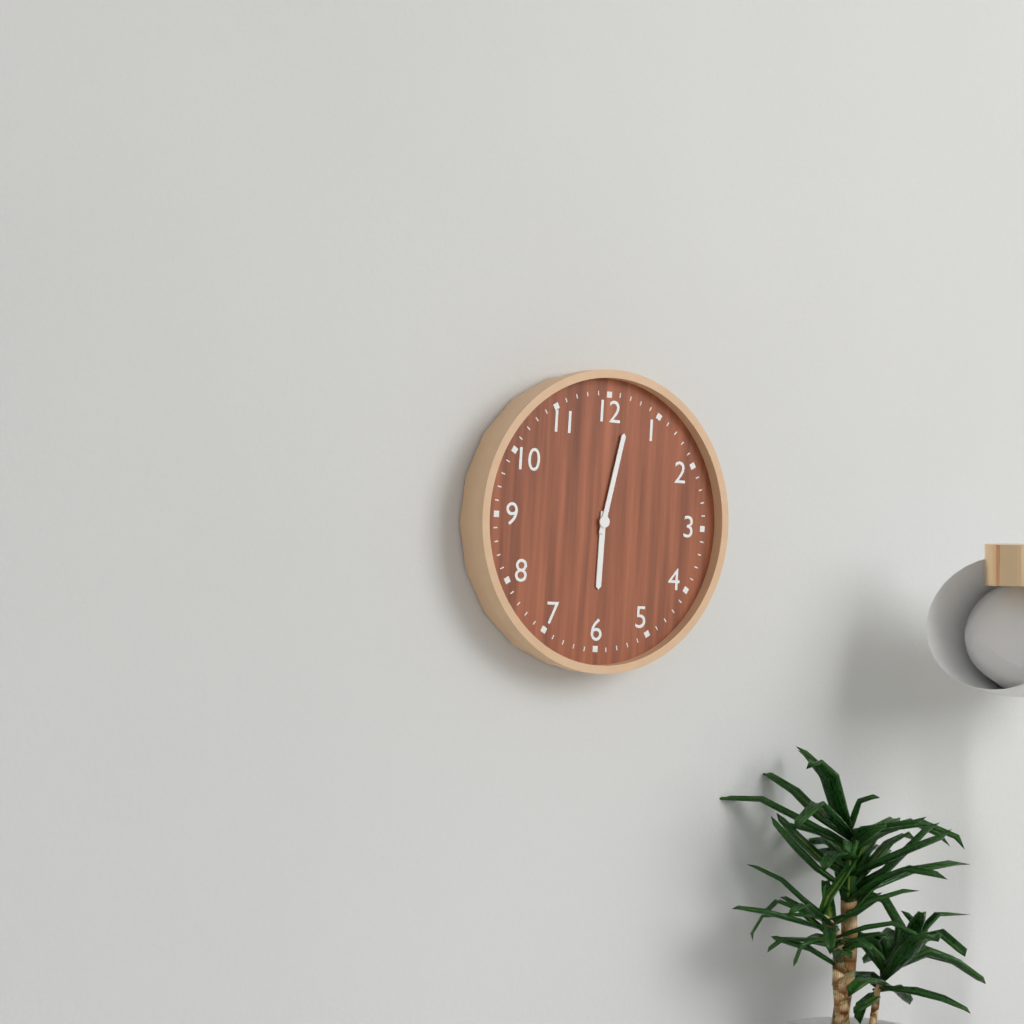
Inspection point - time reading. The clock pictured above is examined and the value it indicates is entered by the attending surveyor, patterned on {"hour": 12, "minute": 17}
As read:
{"hour": 6, "minute": 2}
